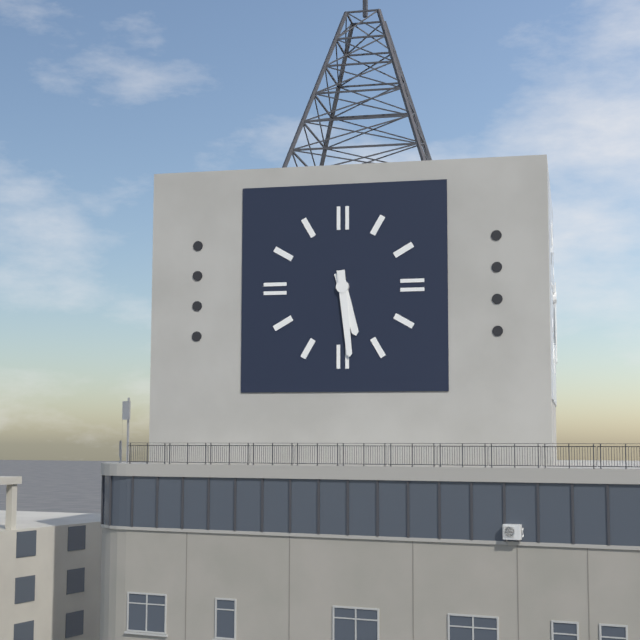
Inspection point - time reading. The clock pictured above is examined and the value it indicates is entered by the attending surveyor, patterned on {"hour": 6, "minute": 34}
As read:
{"hour": 5, "minute": 29}
